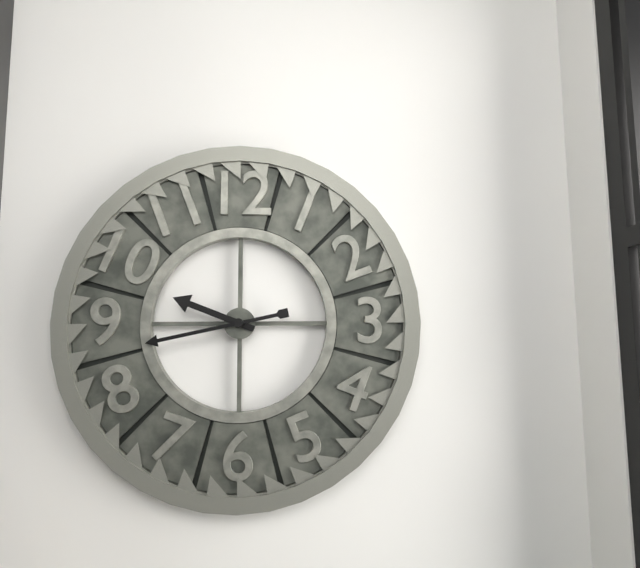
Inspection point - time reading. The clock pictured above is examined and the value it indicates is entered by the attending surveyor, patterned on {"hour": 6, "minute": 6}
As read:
{"hour": 9, "minute": 43}
